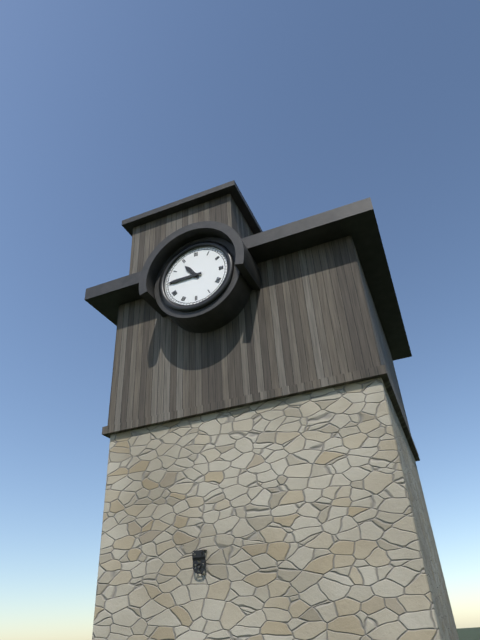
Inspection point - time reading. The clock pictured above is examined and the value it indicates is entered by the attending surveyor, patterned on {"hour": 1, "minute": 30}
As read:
{"hour": 10, "minute": 45}
